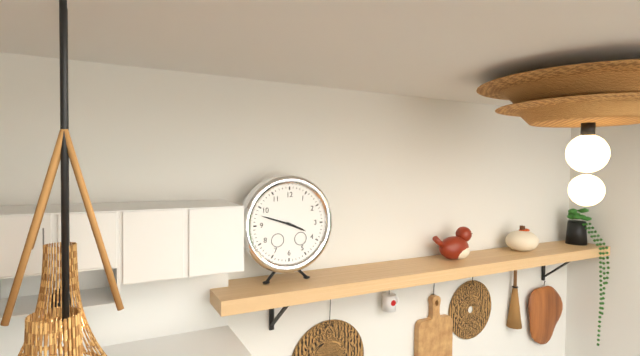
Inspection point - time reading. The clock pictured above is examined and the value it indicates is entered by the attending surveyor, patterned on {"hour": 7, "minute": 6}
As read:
{"hour": 3, "minute": 48}
